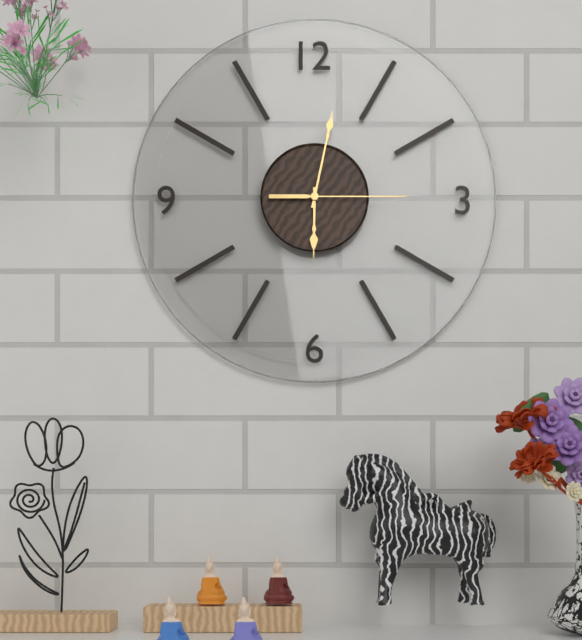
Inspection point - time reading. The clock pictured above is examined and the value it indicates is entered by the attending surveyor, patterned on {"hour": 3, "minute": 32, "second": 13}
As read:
{"hour": 6, "minute": 2, "second": 15}
